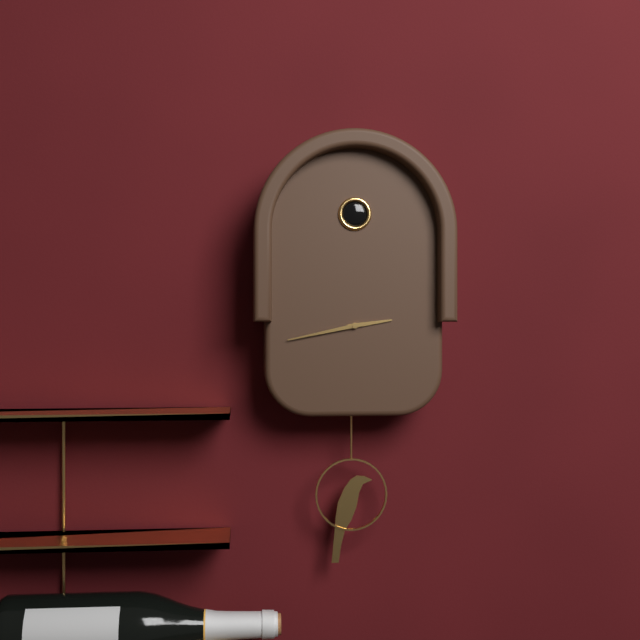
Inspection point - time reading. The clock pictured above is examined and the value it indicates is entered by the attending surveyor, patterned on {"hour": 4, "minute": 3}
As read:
{"hour": 2, "minute": 43}
